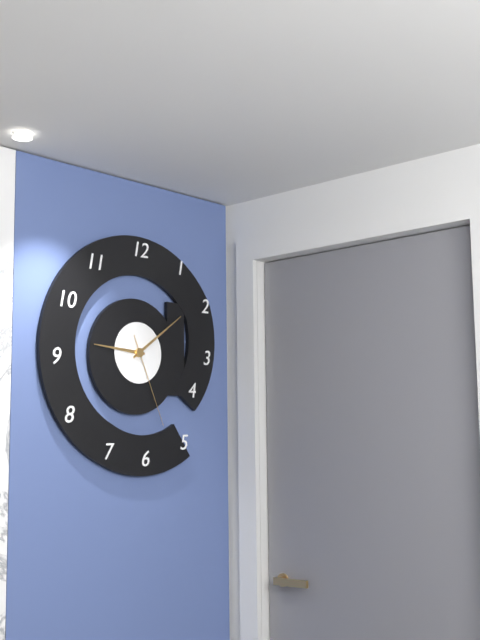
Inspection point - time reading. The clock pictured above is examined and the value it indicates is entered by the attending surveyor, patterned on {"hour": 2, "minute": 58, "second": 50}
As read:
{"hour": 9, "minute": 9, "second": 26}
